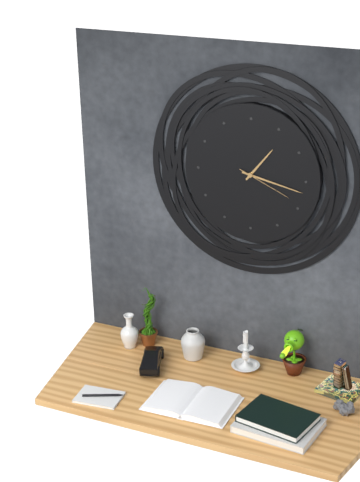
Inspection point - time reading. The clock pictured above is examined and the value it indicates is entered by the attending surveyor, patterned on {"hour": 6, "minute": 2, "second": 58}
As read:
{"hour": 1, "minute": 17, "second": 19}
